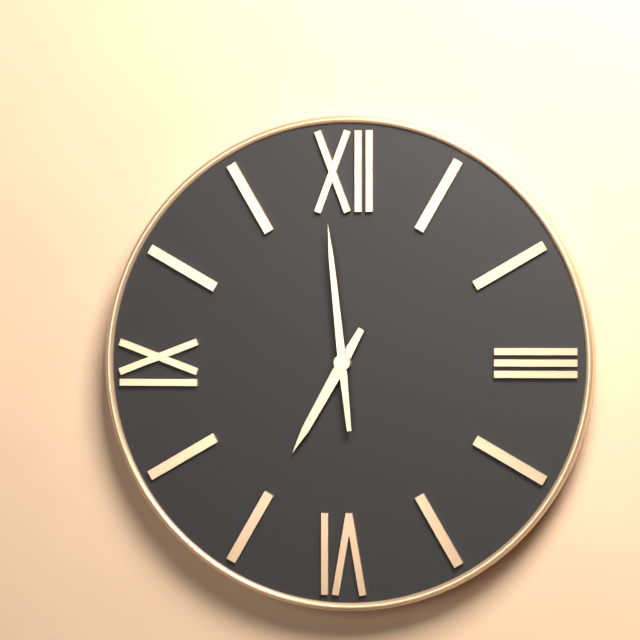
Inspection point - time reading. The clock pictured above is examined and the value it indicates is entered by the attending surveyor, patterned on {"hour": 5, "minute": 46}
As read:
{"hour": 6, "minute": 59}
